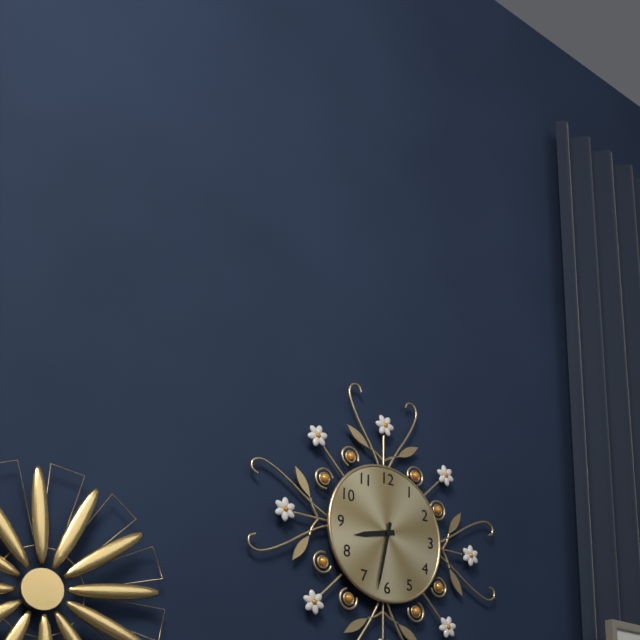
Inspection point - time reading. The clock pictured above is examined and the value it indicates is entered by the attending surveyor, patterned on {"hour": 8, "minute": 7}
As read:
{"hour": 8, "minute": 32}
